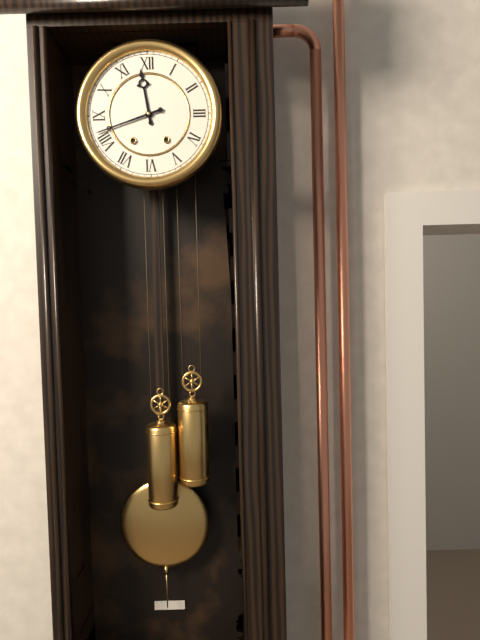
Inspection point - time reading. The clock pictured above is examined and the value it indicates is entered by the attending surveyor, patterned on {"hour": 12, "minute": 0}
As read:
{"hour": 11, "minute": 42}
